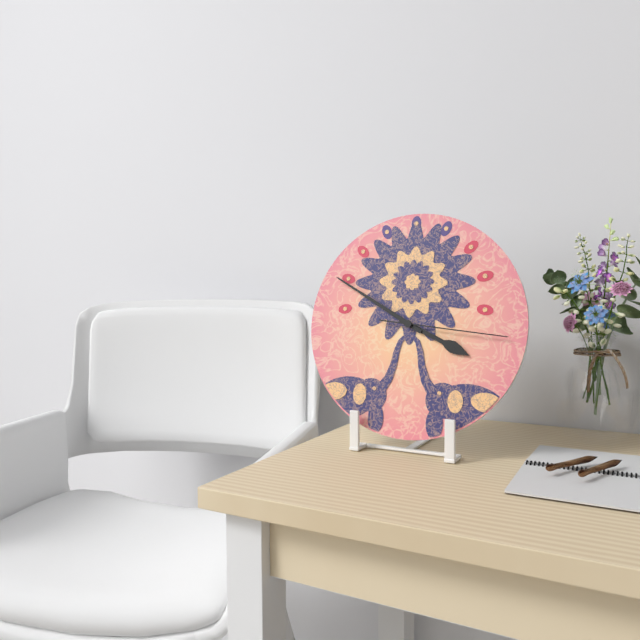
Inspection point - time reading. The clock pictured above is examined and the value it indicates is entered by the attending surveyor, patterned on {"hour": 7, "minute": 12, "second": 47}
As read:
{"hour": 3, "minute": 50, "second": 16}
